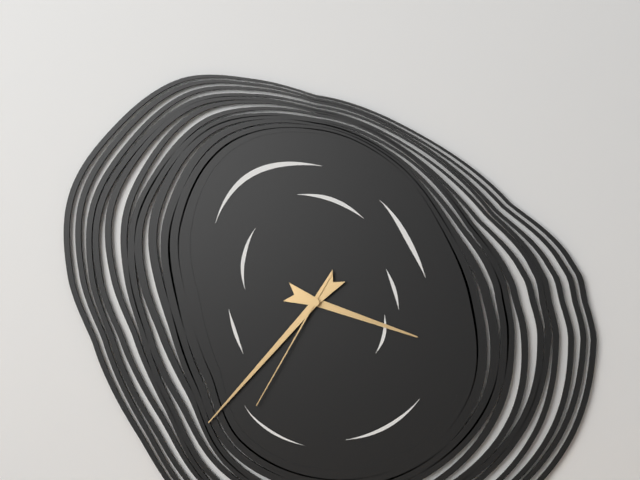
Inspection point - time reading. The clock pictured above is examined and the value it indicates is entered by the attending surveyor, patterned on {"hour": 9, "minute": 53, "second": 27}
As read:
{"hour": 3, "minute": 37, "second": 35}
